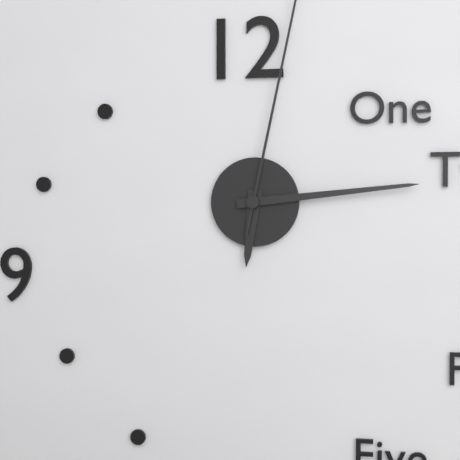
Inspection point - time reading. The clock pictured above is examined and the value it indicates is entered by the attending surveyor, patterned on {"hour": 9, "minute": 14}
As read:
{"hour": 6, "minute": 14}
